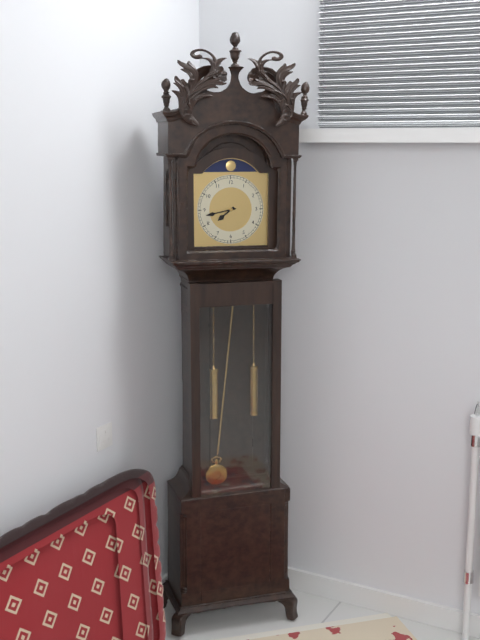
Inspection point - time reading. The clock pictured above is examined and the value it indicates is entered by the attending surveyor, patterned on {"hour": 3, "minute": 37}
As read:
{"hour": 7, "minute": 43}
